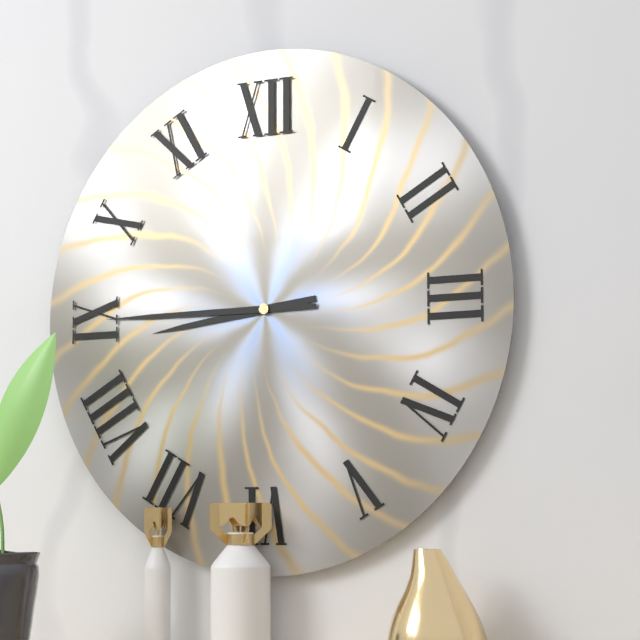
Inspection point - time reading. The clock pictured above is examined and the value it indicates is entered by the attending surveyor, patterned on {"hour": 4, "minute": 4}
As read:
{"hour": 8, "minute": 45}
